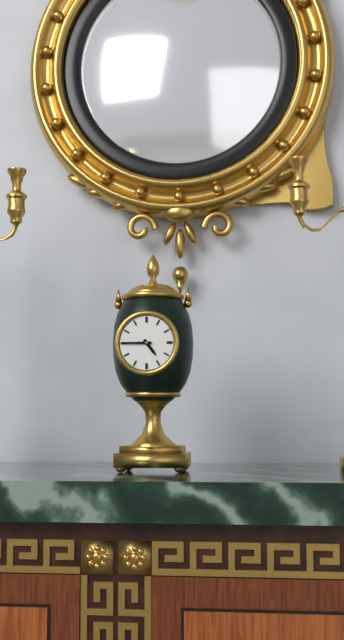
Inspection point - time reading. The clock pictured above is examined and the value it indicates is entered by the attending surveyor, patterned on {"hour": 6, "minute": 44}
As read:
{"hour": 4, "minute": 45}
